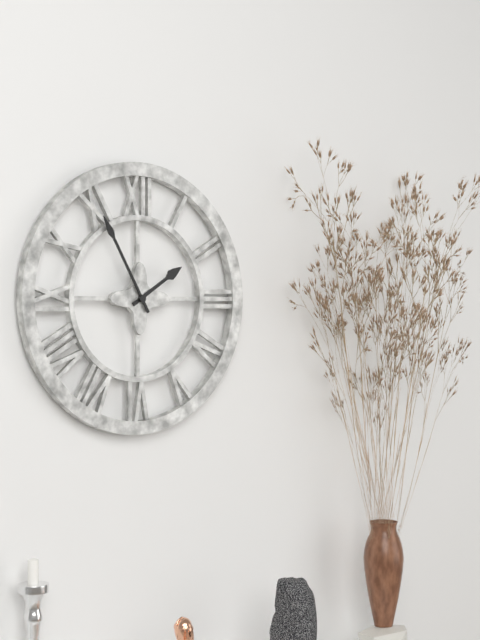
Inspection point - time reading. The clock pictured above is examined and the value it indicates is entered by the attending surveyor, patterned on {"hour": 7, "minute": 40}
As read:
{"hour": 1, "minute": 55}
